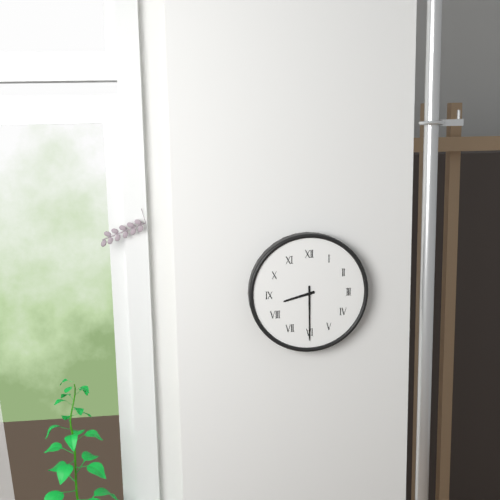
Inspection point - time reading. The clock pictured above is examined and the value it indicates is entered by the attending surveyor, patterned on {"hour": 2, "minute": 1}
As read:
{"hour": 8, "minute": 30}
